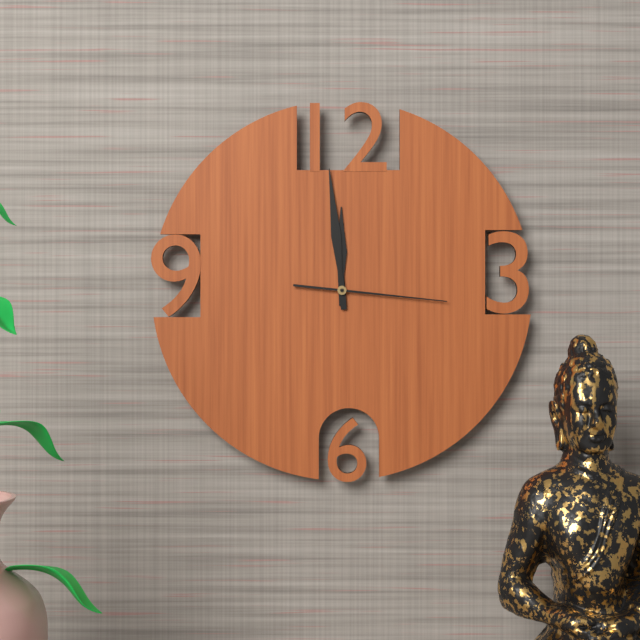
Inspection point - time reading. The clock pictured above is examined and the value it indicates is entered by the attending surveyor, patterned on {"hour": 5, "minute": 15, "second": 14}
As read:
{"hour": 11, "minute": 59, "second": 16}
